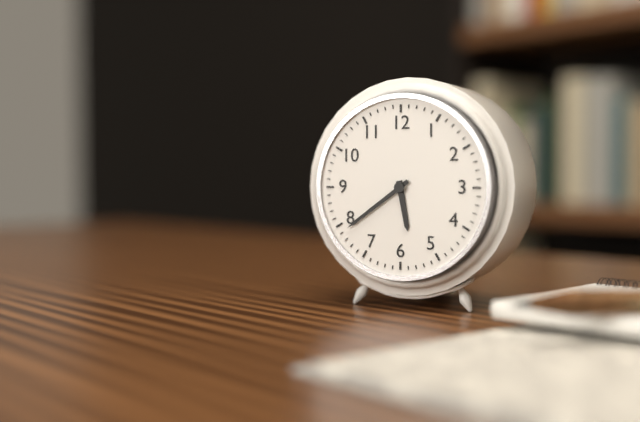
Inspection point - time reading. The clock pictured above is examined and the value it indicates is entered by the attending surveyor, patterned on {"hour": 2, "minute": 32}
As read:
{"hour": 5, "minute": 39}
